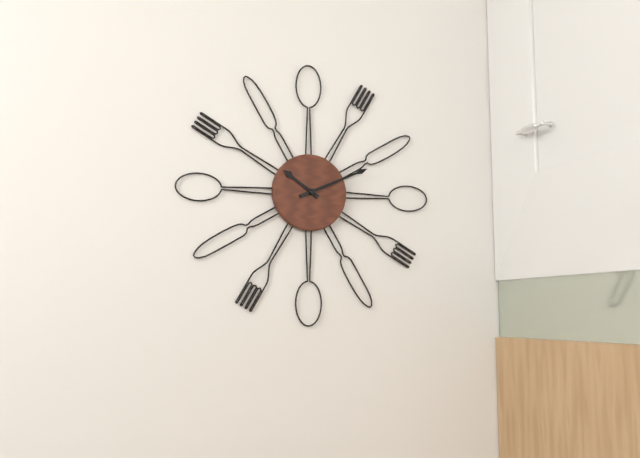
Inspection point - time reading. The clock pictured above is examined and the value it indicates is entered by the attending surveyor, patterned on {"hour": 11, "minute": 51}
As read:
{"hour": 10, "minute": 11}
